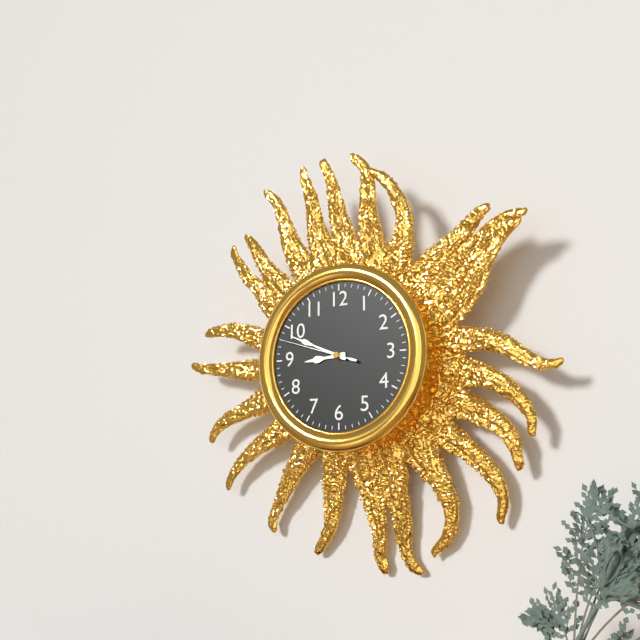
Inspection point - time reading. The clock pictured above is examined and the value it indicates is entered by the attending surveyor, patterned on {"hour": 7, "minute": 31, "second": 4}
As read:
{"hour": 8, "minute": 49, "second": 48}
